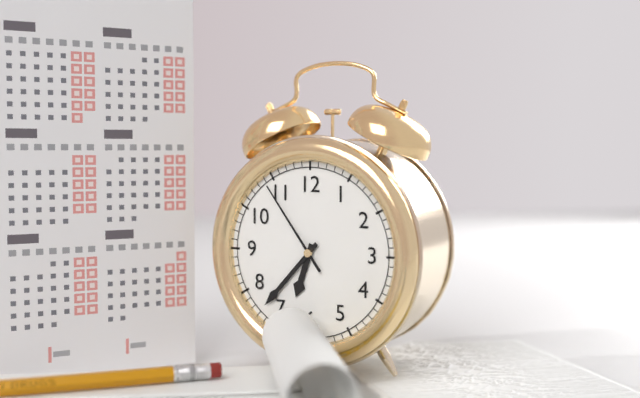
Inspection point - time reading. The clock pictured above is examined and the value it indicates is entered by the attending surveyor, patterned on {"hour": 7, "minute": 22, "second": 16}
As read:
{"hour": 6, "minute": 37, "second": 54}
